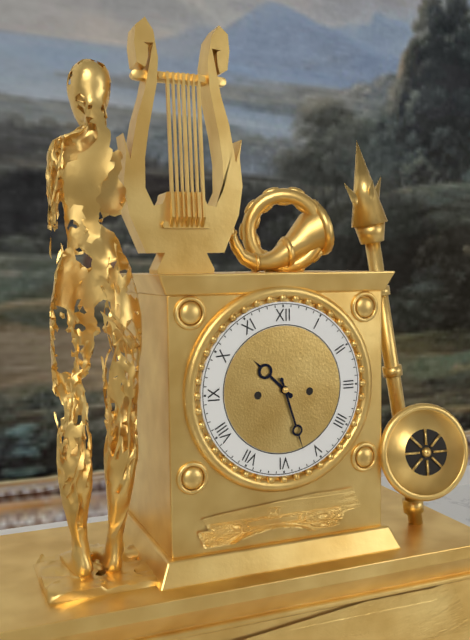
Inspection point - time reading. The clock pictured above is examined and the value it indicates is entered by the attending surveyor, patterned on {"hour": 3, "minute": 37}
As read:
{"hour": 10, "minute": 27}
